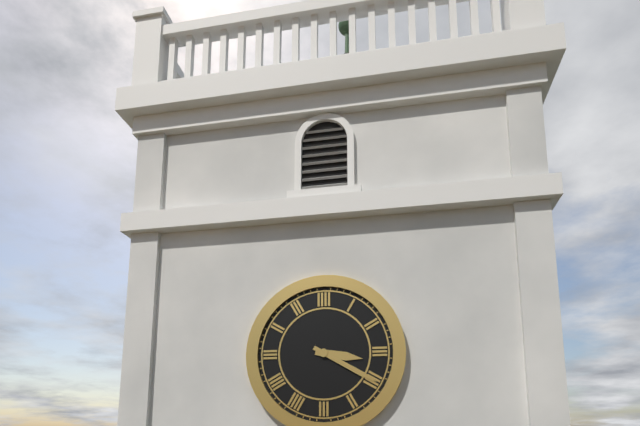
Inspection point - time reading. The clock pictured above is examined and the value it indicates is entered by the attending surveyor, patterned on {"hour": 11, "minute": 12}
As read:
{"hour": 3, "minute": 20}
